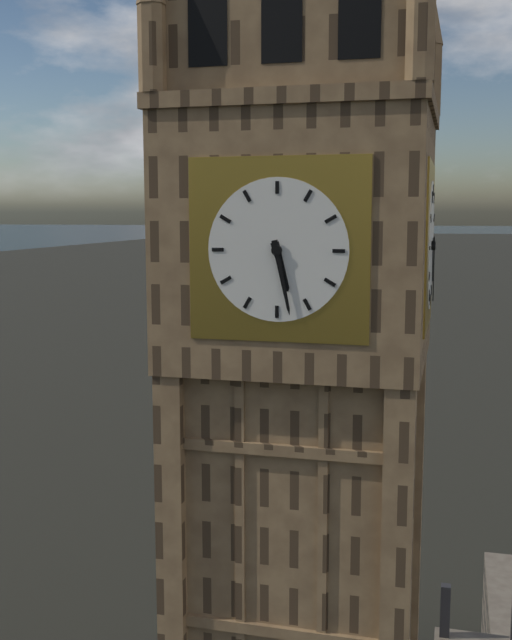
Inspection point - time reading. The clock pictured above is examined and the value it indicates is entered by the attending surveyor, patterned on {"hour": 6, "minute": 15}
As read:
{"hour": 5, "minute": 28}
